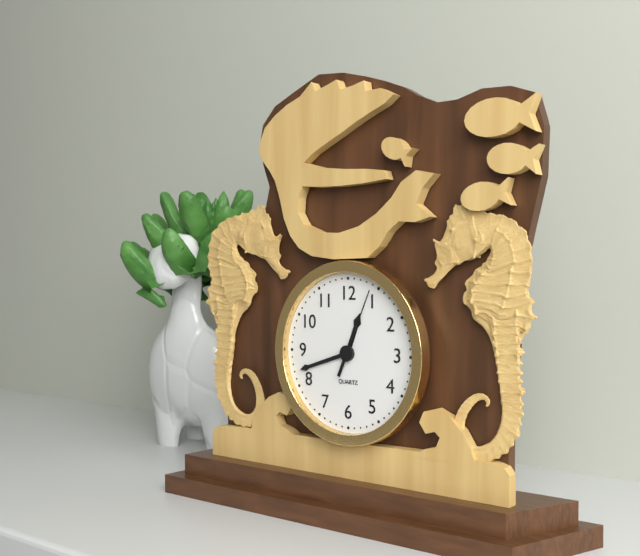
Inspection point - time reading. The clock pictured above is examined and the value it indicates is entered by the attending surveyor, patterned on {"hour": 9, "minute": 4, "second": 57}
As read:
{"hour": 12, "minute": 42, "second": 4}
